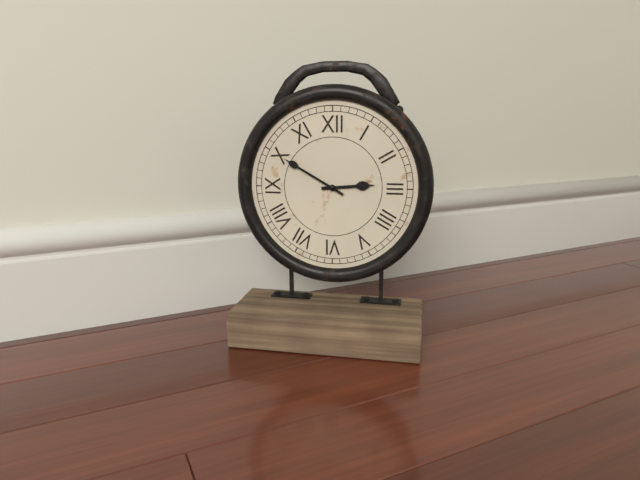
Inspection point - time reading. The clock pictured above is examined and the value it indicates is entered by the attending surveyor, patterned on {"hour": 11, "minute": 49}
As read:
{"hour": 2, "minute": 50}
